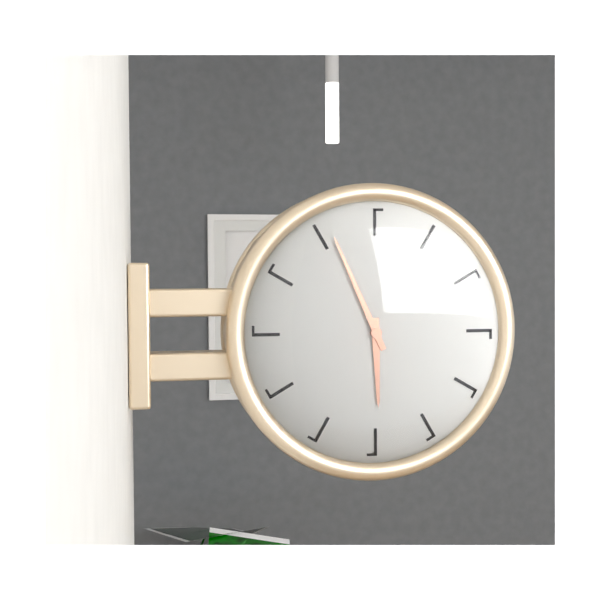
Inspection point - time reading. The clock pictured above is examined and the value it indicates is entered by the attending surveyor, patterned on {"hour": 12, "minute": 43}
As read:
{"hour": 5, "minute": 56}
